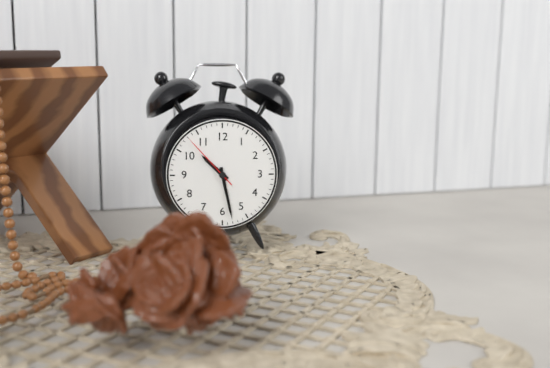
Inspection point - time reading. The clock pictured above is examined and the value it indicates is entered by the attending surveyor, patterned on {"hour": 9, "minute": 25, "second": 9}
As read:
{"hour": 10, "minute": 28, "second": 53}
